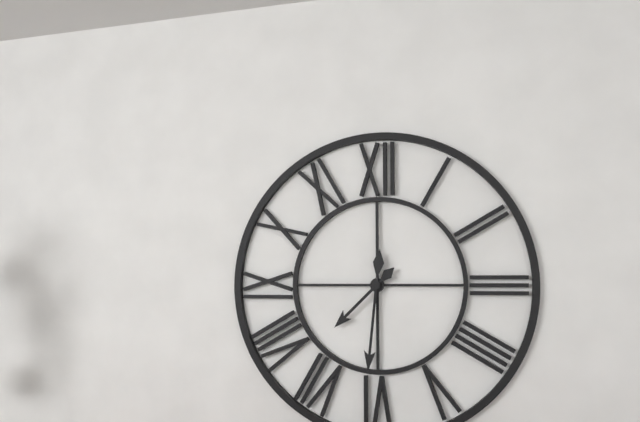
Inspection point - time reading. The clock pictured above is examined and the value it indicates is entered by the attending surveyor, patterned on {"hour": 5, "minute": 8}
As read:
{"hour": 7, "minute": 31}
